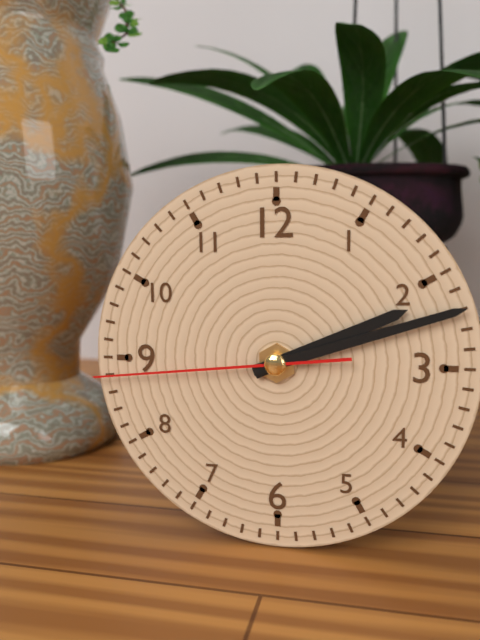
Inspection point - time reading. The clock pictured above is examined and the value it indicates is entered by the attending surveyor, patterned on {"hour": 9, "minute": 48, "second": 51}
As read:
{"hour": 2, "minute": 12, "second": 44}
